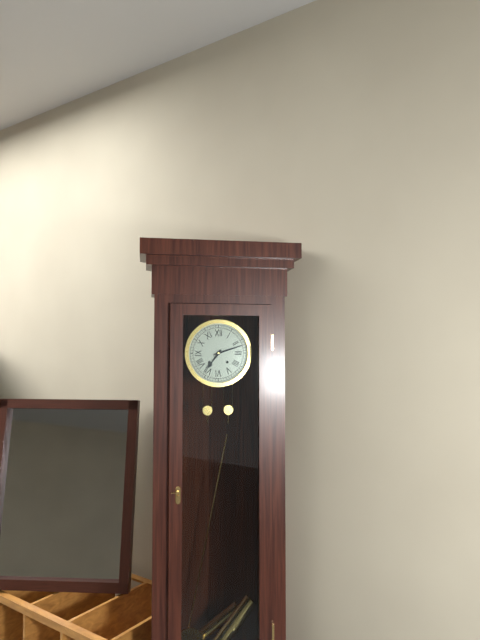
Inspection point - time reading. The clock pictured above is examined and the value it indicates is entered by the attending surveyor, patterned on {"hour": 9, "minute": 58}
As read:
{"hour": 7, "minute": 12}
